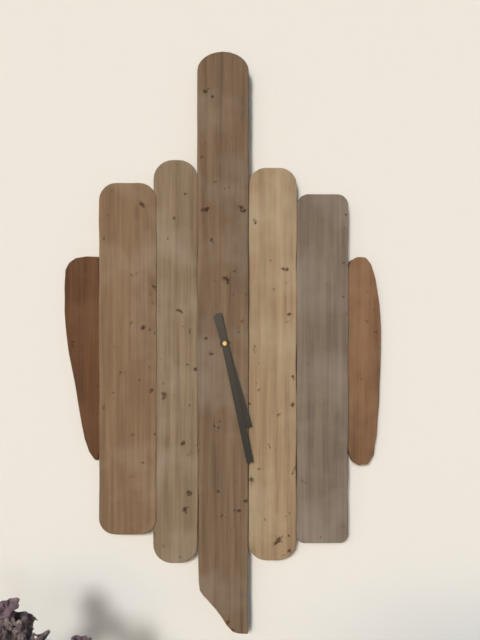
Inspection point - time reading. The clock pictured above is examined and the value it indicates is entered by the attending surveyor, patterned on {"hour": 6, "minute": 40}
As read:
{"hour": 5, "minute": 28}
